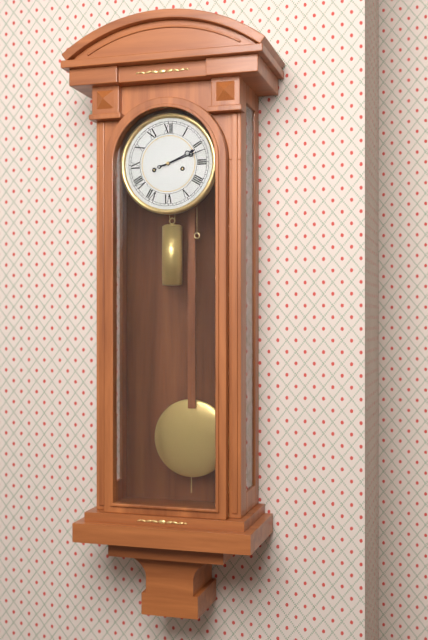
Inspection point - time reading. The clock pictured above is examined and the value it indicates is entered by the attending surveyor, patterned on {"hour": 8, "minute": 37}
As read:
{"hour": 2, "minute": 12}
